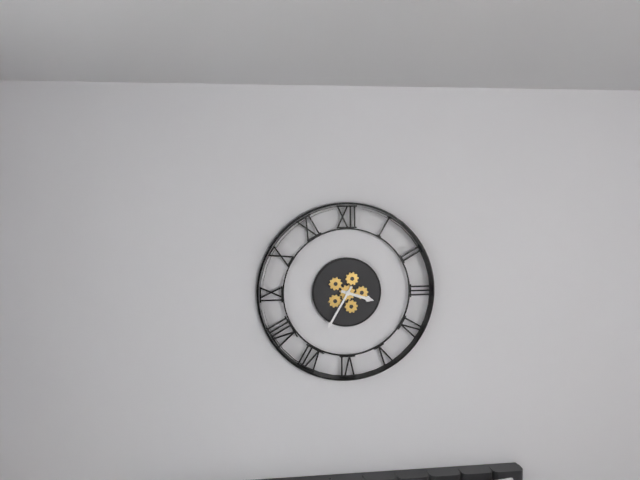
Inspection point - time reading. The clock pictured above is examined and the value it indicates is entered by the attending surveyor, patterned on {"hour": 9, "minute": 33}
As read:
{"hour": 3, "minute": 35}
